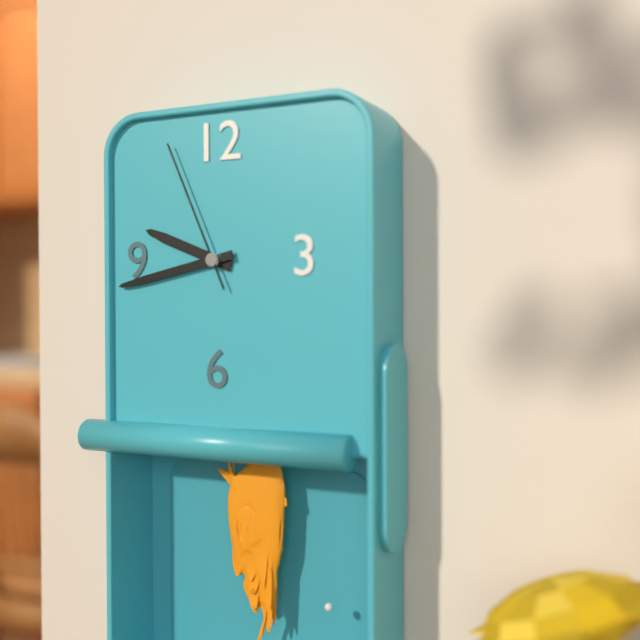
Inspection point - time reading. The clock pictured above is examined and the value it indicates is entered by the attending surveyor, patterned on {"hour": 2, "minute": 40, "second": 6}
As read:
{"hour": 9, "minute": 43, "second": 56}
